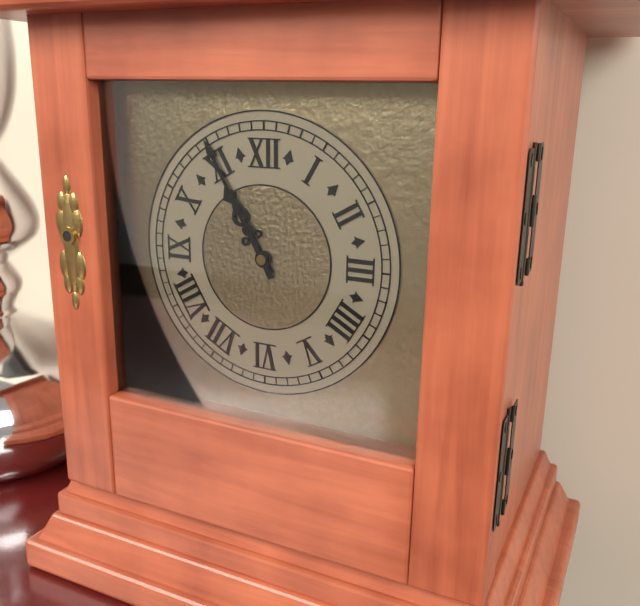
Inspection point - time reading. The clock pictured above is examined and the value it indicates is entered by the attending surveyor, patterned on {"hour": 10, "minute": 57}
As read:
{"hour": 10, "minute": 55}
